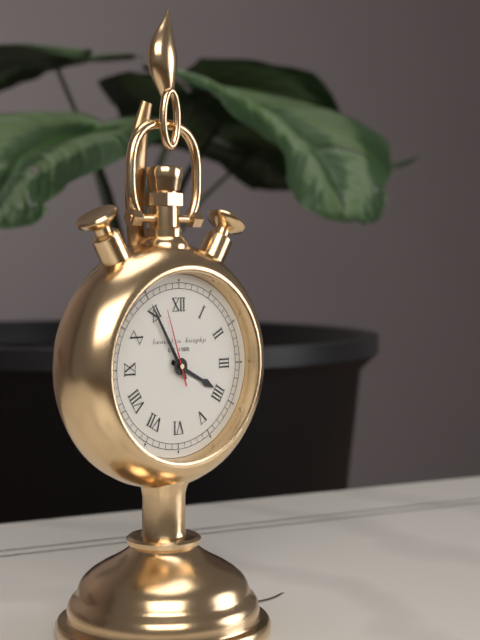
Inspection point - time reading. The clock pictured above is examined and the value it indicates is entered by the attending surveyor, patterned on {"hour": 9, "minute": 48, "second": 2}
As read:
{"hour": 3, "minute": 55, "second": 57}
